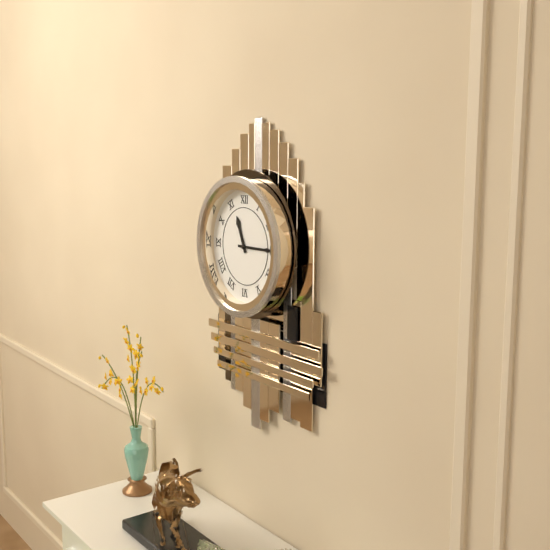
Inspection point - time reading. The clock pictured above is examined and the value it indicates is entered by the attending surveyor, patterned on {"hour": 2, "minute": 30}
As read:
{"hour": 11, "minute": 15}
